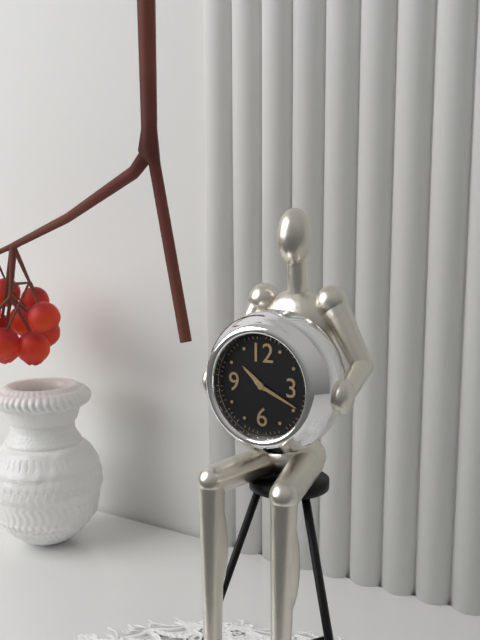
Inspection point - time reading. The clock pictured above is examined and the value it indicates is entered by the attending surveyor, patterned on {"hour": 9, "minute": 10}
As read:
{"hour": 10, "minute": 19}
